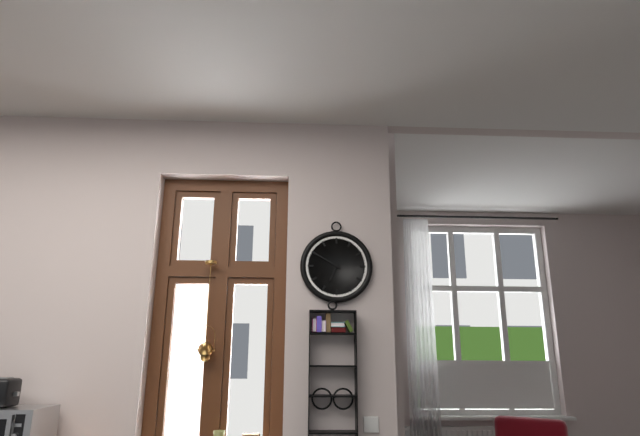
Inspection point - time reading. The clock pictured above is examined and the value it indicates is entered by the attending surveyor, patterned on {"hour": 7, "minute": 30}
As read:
{"hour": 6, "minute": 50}
